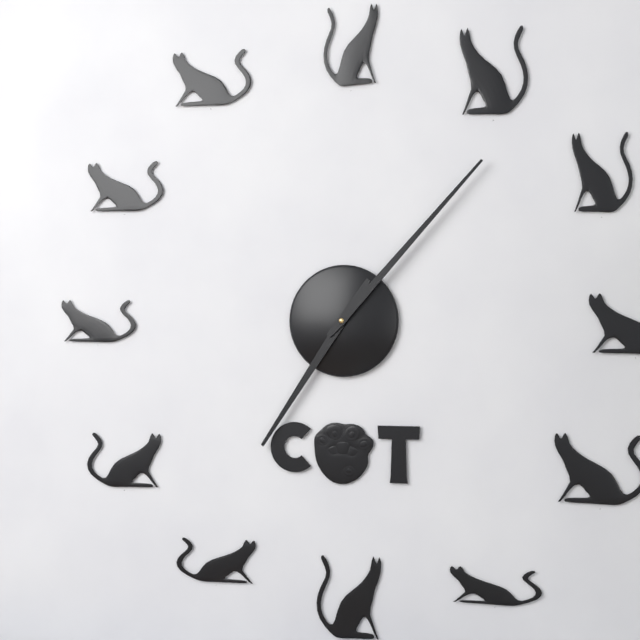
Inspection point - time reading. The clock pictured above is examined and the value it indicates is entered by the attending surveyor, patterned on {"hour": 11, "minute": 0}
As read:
{"hour": 7, "minute": 7}
